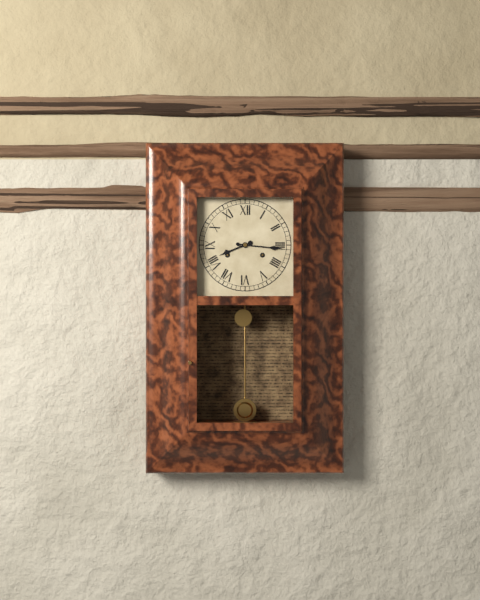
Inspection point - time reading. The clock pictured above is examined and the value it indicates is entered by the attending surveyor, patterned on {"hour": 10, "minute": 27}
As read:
{"hour": 8, "minute": 16}
